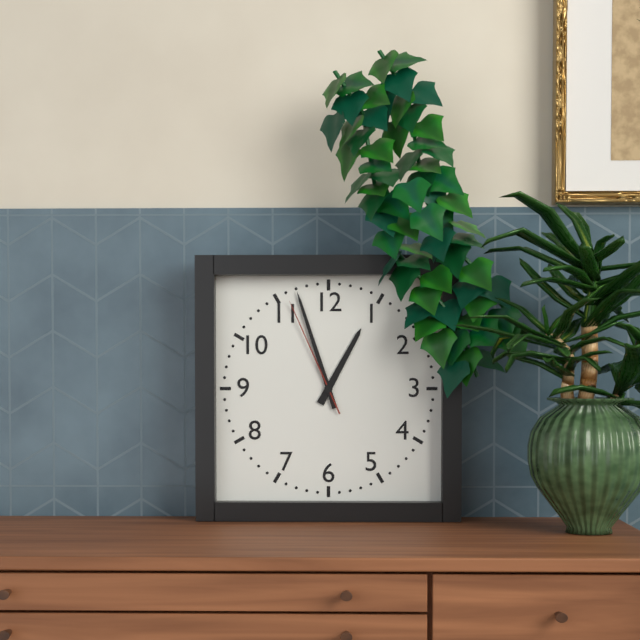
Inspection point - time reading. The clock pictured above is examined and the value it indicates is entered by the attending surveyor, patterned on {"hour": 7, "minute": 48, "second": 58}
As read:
{"hour": 12, "minute": 57, "second": 56}
